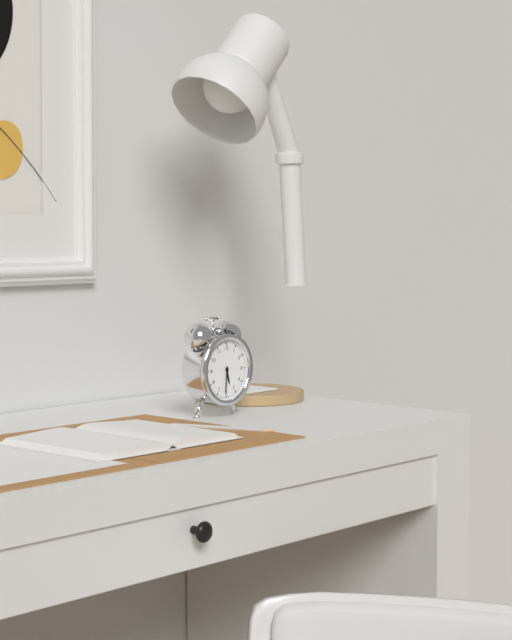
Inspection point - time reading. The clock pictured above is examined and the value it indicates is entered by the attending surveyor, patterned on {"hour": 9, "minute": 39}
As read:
{"hour": 5, "minute": 31}
